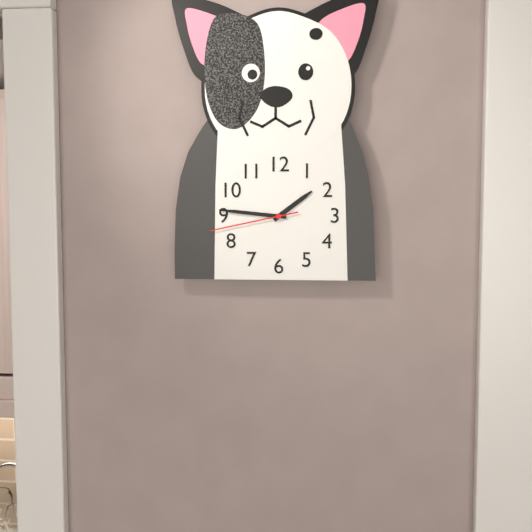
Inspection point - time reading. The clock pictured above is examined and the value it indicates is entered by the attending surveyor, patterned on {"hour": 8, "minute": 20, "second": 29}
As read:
{"hour": 1, "minute": 46, "second": 43}
